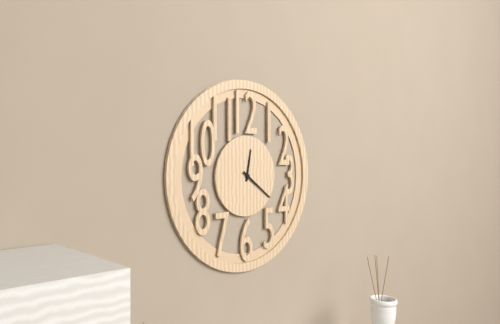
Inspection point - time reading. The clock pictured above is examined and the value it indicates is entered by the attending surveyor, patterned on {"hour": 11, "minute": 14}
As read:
{"hour": 12, "minute": 21}
